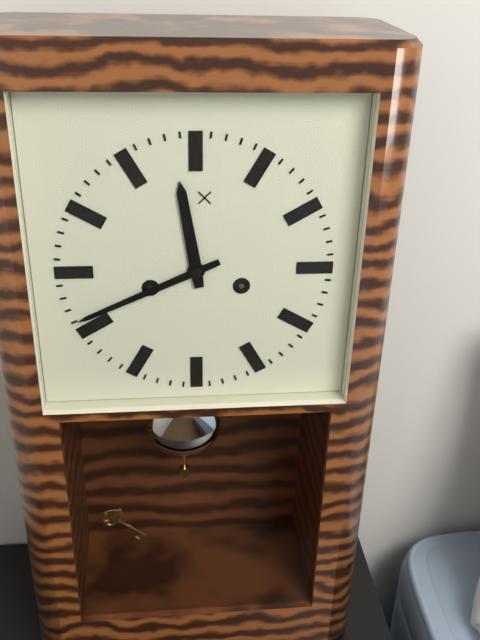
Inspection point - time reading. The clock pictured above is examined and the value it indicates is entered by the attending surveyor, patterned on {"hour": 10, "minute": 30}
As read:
{"hour": 11, "minute": 41}
